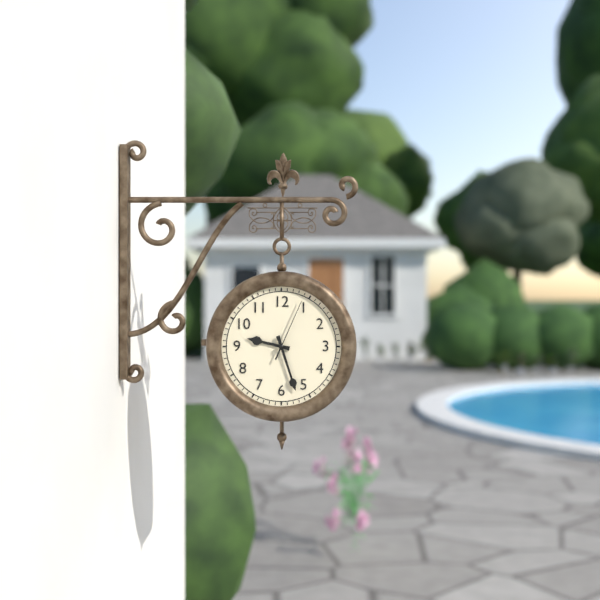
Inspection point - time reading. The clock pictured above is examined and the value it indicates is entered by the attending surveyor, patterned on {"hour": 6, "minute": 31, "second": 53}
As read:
{"hour": 9, "minute": 27, "second": 4}
